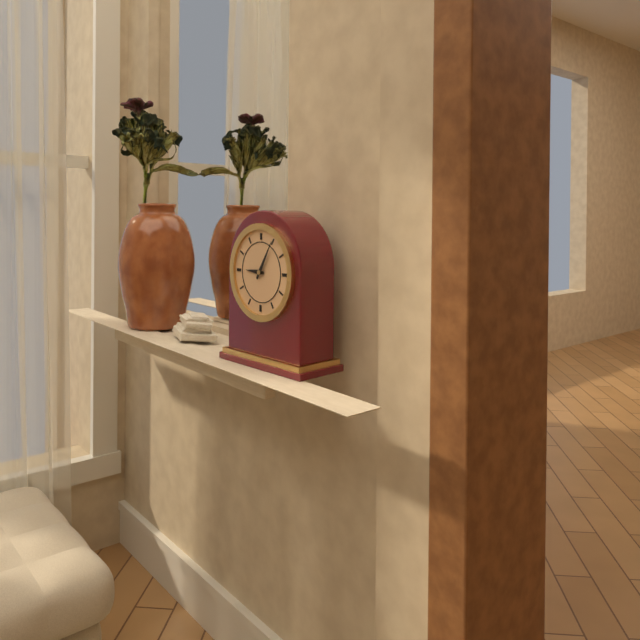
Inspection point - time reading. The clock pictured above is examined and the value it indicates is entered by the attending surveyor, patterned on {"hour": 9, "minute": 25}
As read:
{"hour": 9, "minute": 5}
